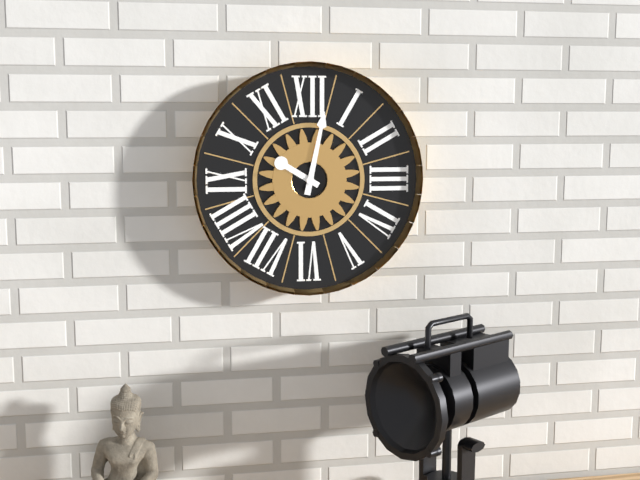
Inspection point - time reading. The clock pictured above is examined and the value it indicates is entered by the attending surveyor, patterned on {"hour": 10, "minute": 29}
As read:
{"hour": 10, "minute": 2}
